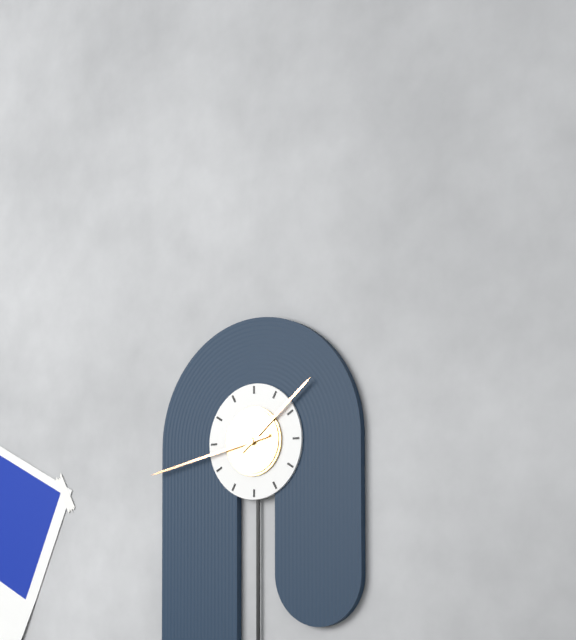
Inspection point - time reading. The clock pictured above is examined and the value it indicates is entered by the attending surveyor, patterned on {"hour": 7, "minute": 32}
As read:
{"hour": 1, "minute": 43}
